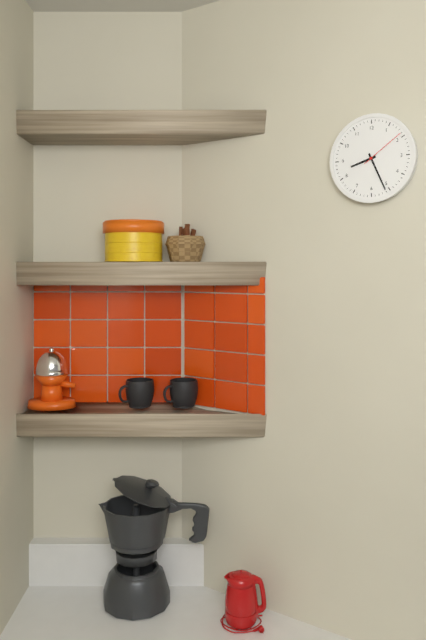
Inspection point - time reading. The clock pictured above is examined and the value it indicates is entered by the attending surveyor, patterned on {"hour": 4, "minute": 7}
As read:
{"hour": 8, "minute": 26}
